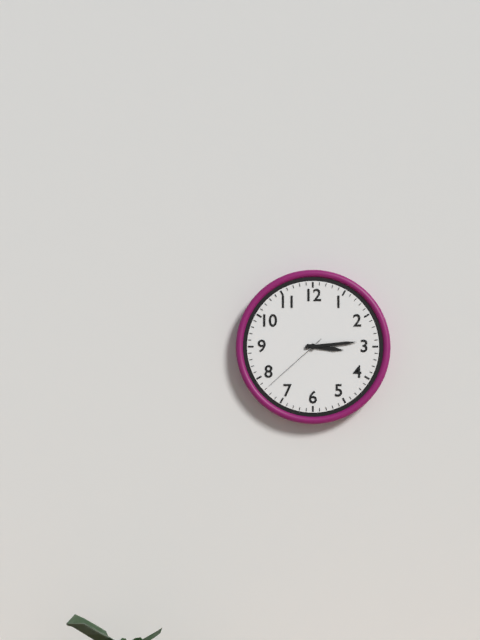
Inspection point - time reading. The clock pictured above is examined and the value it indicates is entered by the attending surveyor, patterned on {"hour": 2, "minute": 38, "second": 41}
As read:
{"hour": 3, "minute": 14, "second": 38}
